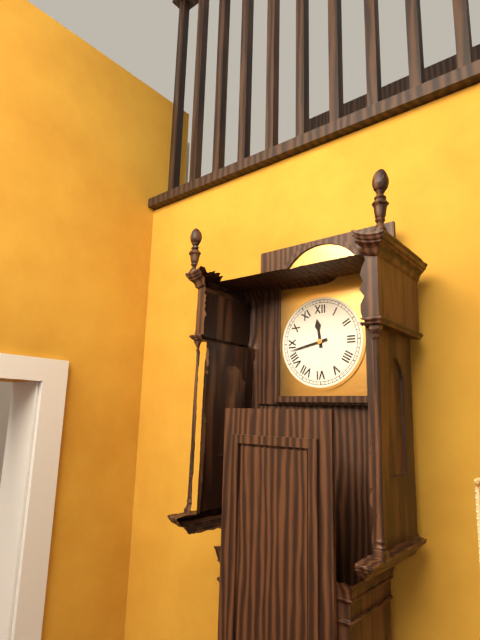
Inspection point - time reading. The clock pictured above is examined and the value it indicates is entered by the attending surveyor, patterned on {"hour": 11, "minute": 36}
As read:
{"hour": 11, "minute": 43}
